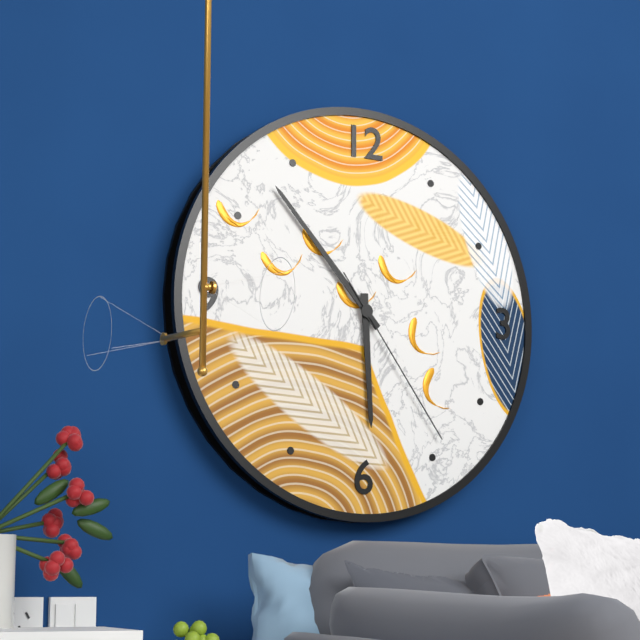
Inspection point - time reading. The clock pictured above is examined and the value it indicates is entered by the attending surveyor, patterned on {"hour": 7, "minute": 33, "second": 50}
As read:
{"hour": 5, "minute": 53, "second": 24}
